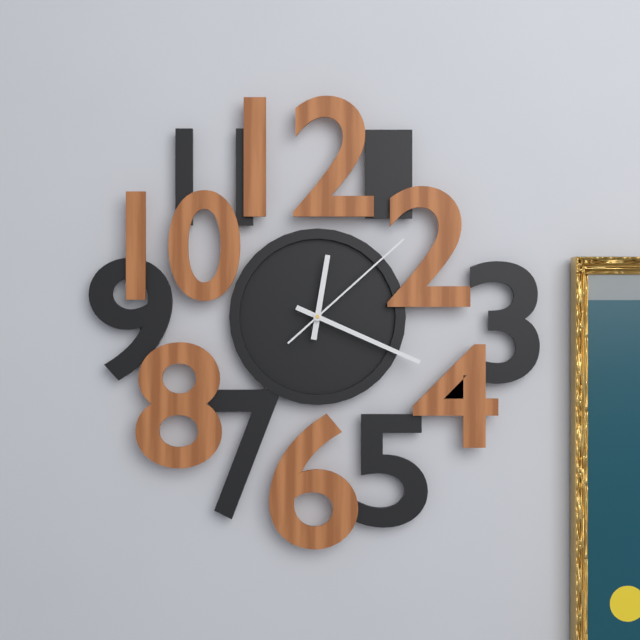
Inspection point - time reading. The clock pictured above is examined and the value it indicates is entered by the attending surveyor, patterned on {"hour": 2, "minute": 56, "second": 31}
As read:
{"hour": 12, "minute": 19, "second": 8}
